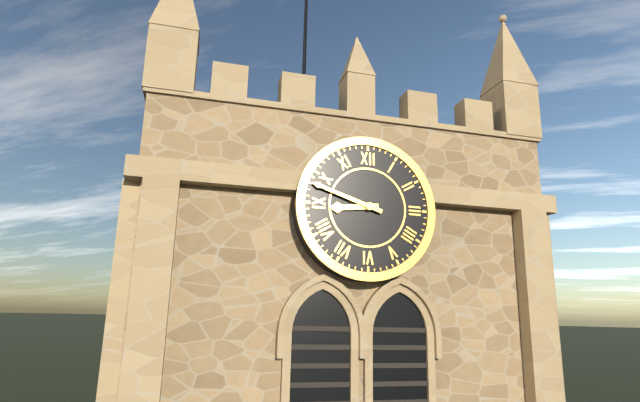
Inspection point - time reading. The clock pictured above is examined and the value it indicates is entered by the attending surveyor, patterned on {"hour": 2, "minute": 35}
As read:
{"hour": 8, "minute": 48}
